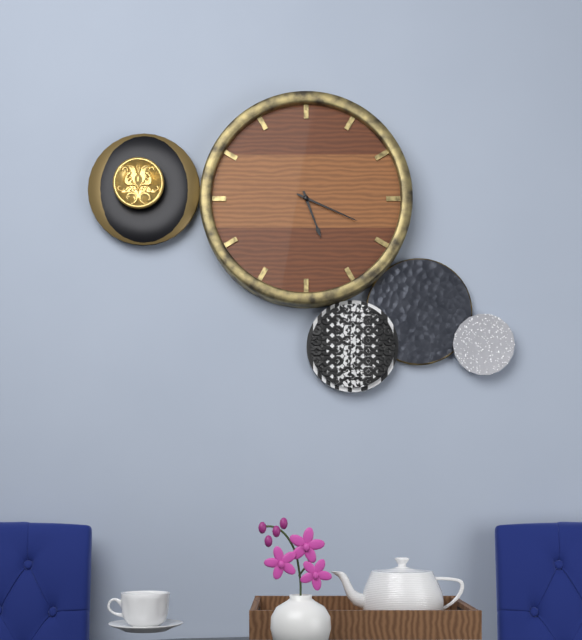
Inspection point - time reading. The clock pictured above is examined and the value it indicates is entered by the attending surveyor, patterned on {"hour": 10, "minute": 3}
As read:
{"hour": 5, "minute": 19}
